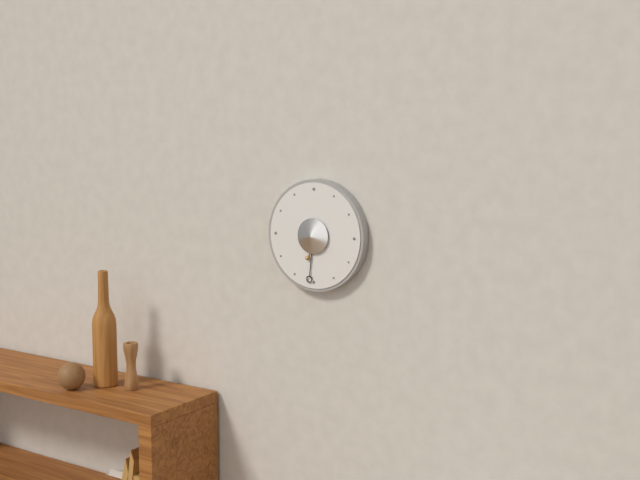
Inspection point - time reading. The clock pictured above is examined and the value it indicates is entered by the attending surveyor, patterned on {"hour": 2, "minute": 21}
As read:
{"hour": 6, "minute": 31}
